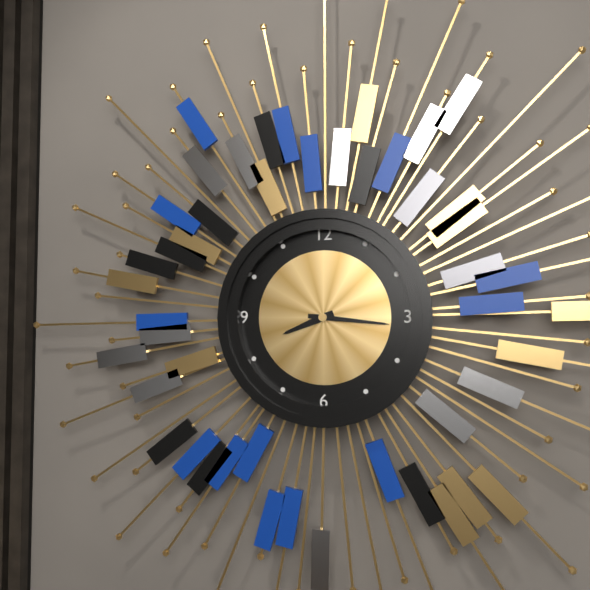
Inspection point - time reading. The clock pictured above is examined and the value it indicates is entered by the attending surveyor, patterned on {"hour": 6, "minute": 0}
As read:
{"hour": 8, "minute": 16}
